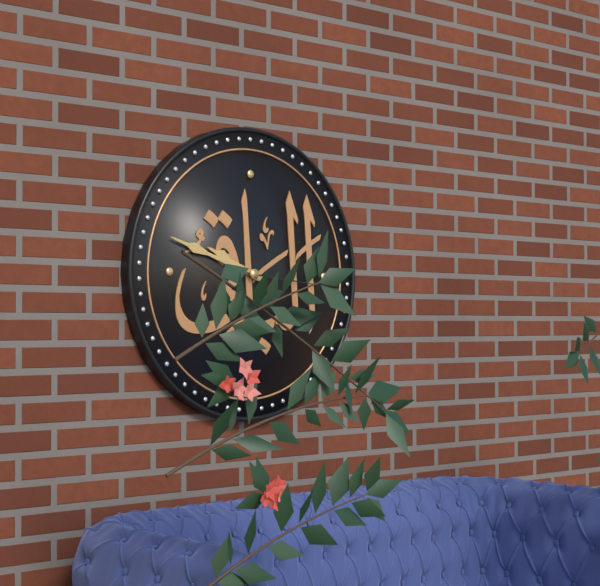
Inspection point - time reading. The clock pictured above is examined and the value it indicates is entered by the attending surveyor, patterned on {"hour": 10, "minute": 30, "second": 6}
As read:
{"hour": 9, "minute": 48, "second": 16}
